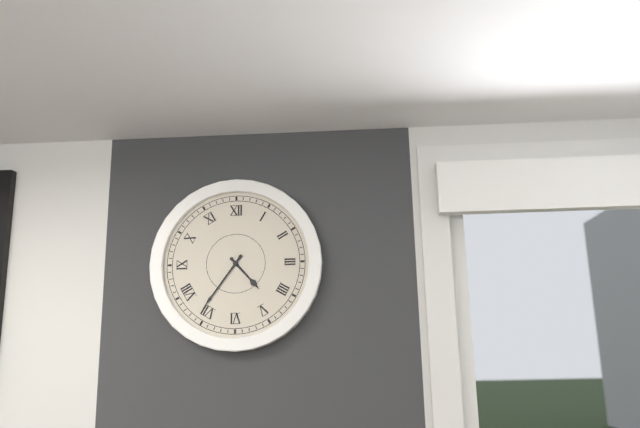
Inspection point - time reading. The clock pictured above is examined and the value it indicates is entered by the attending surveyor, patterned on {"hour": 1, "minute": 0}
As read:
{"hour": 4, "minute": 36}
